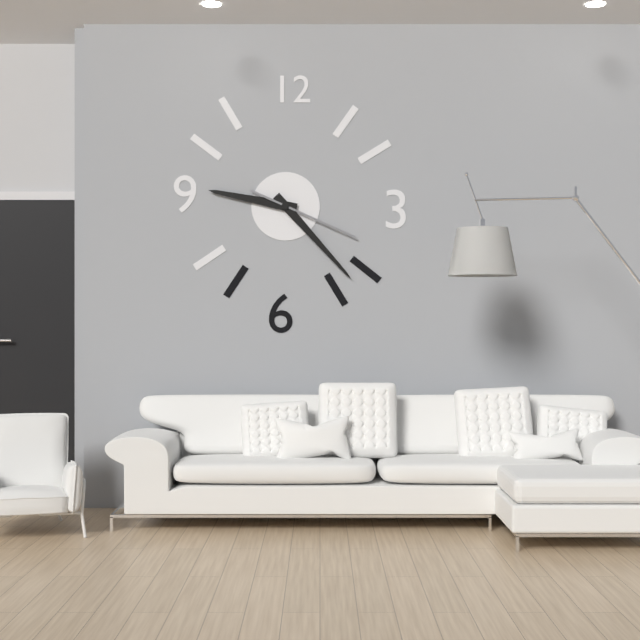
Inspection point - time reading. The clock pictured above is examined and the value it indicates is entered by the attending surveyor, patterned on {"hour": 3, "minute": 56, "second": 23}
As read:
{"hour": 9, "minute": 23, "second": 19}
